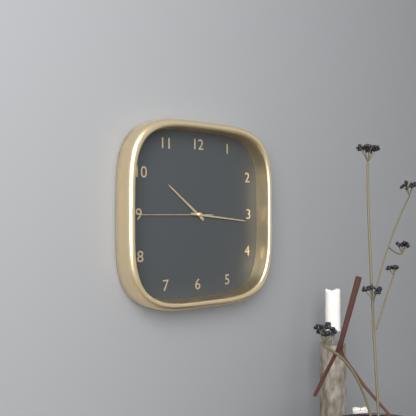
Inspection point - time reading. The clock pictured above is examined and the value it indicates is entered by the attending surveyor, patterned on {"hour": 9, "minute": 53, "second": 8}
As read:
{"hour": 10, "minute": 16, "second": 45}
